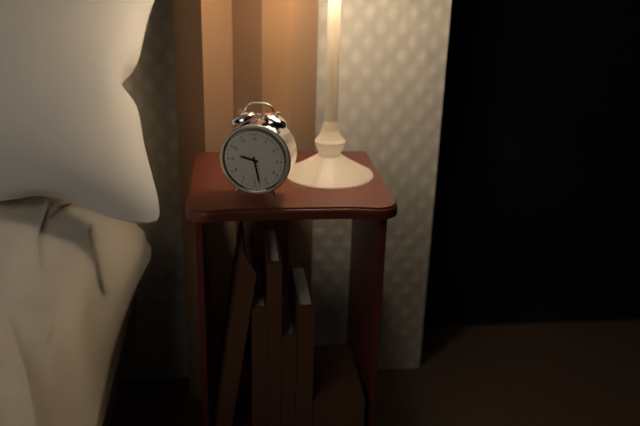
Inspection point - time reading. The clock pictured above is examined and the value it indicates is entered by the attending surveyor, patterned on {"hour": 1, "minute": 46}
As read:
{"hour": 9, "minute": 28}
